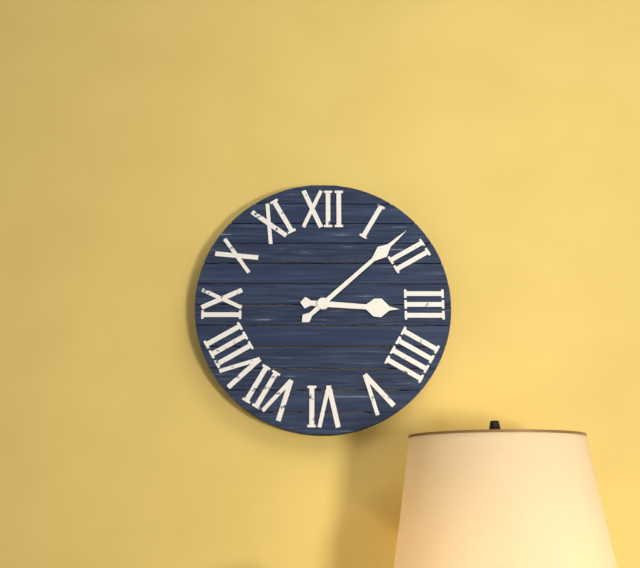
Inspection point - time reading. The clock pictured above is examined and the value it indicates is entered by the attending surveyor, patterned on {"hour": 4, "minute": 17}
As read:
{"hour": 3, "minute": 8}
